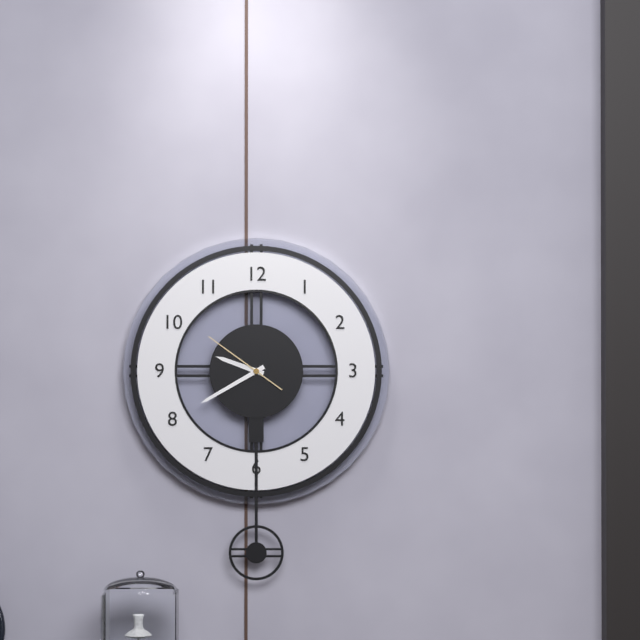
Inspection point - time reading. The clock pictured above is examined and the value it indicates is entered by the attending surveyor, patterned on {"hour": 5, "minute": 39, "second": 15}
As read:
{"hour": 9, "minute": 40, "second": 51}
